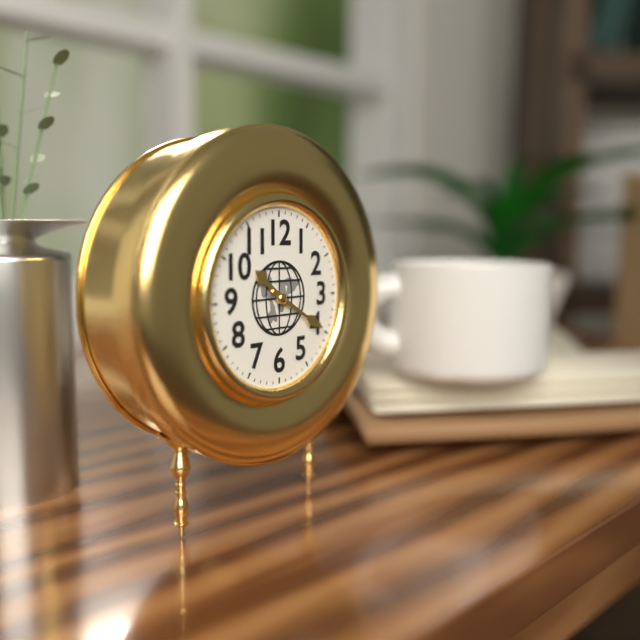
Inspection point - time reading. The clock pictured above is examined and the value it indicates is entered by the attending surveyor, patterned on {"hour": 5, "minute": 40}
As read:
{"hour": 10, "minute": 20}
